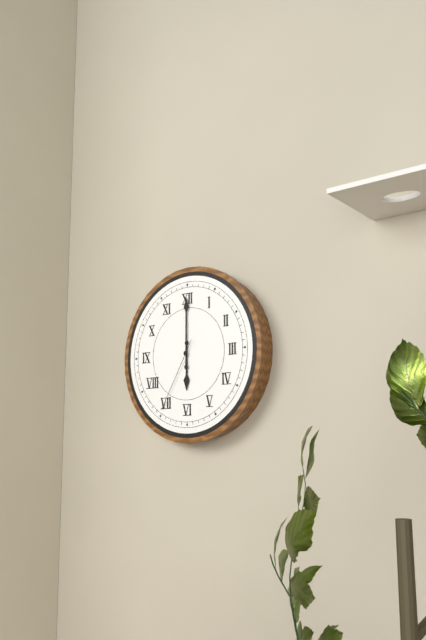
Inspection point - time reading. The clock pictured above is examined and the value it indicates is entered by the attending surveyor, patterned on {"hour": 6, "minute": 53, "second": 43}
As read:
{"hour": 6, "minute": 0, "second": 35}
